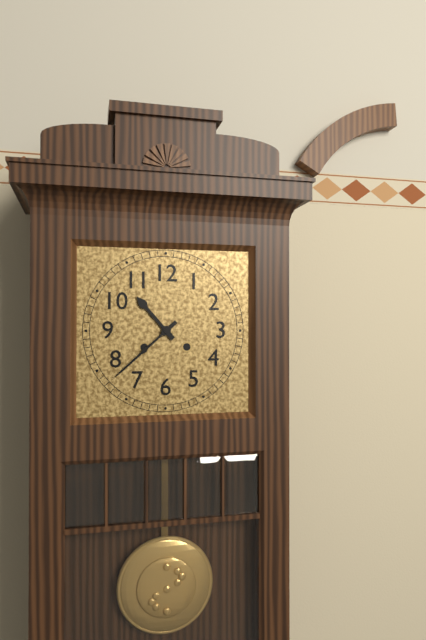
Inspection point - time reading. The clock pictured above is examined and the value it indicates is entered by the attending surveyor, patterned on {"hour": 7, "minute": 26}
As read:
{"hour": 10, "minute": 38}
